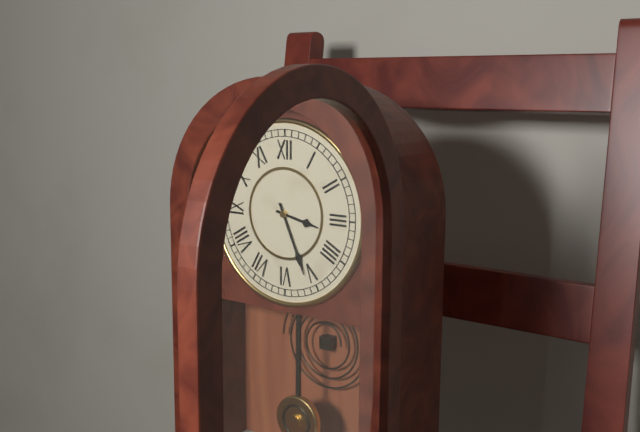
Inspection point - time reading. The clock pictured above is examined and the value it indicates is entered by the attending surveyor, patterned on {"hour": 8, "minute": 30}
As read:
{"hour": 3, "minute": 26}
